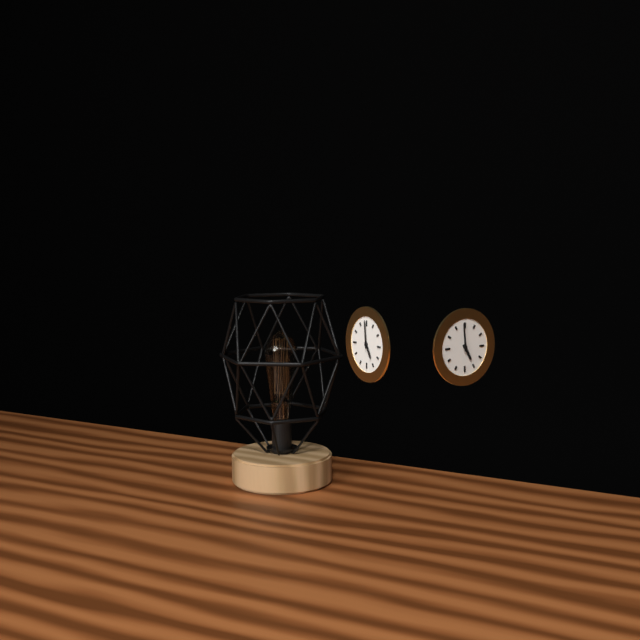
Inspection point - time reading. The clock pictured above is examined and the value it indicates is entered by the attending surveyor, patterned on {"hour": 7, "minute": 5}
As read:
{"hour": 4, "minute": 59}
